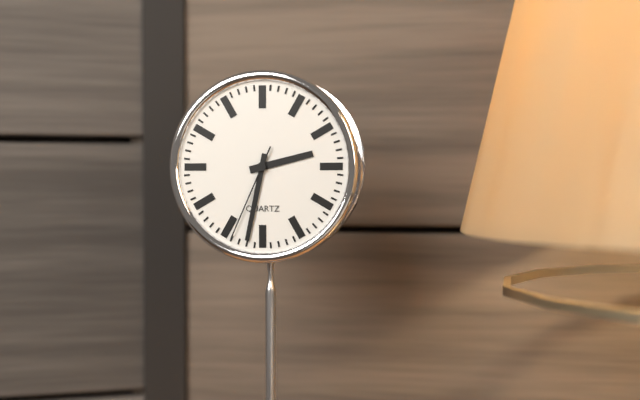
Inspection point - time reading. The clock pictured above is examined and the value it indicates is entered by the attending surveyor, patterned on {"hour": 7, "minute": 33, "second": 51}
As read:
{"hour": 2, "minute": 32, "second": 34}
